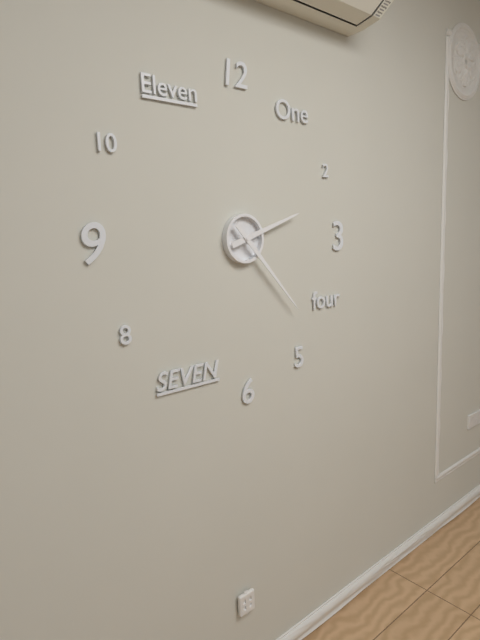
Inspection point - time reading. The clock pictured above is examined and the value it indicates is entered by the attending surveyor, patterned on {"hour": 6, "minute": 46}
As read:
{"hour": 2, "minute": 23}
